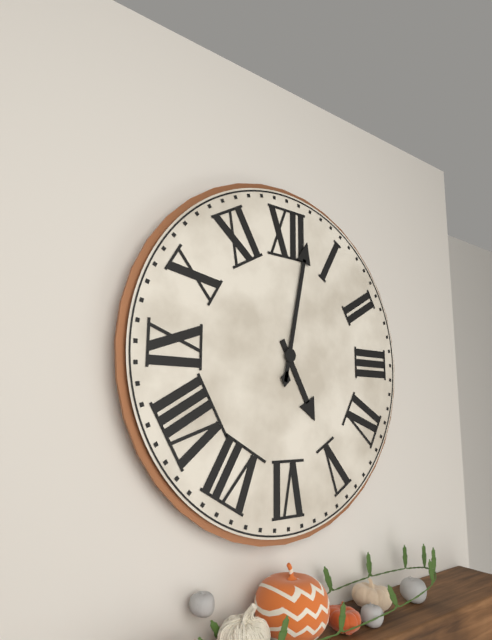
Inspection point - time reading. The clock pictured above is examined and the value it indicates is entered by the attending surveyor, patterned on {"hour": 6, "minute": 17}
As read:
{"hour": 5, "minute": 2}
